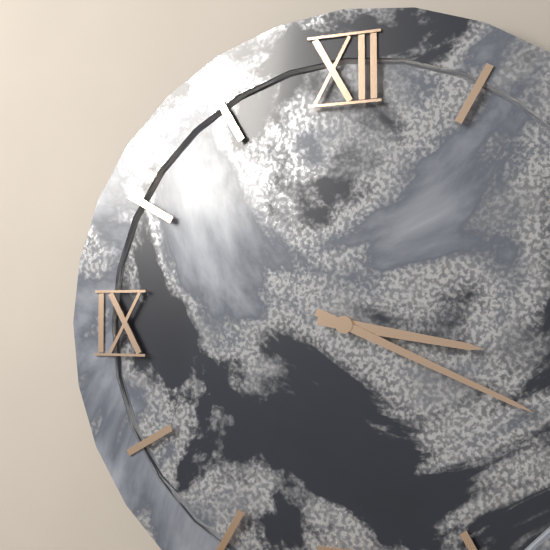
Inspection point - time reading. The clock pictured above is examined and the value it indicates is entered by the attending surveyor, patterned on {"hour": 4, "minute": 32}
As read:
{"hour": 3, "minute": 19}
